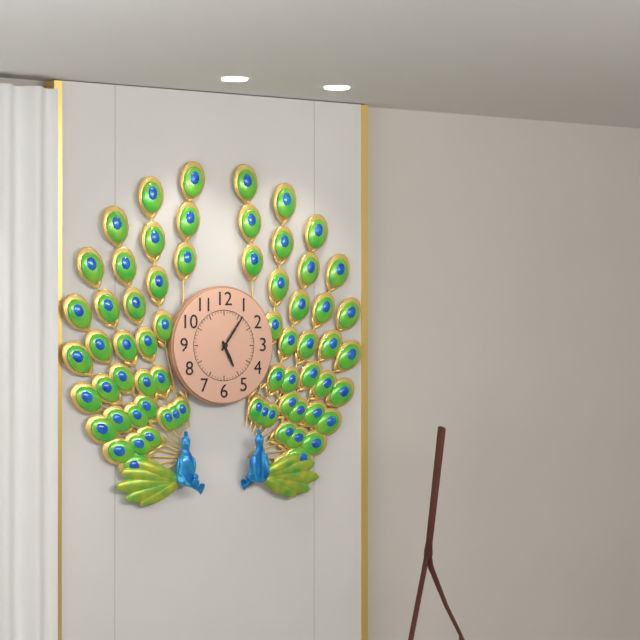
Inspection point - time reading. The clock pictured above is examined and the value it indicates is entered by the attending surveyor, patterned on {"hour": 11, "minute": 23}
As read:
{"hour": 5, "minute": 6}
